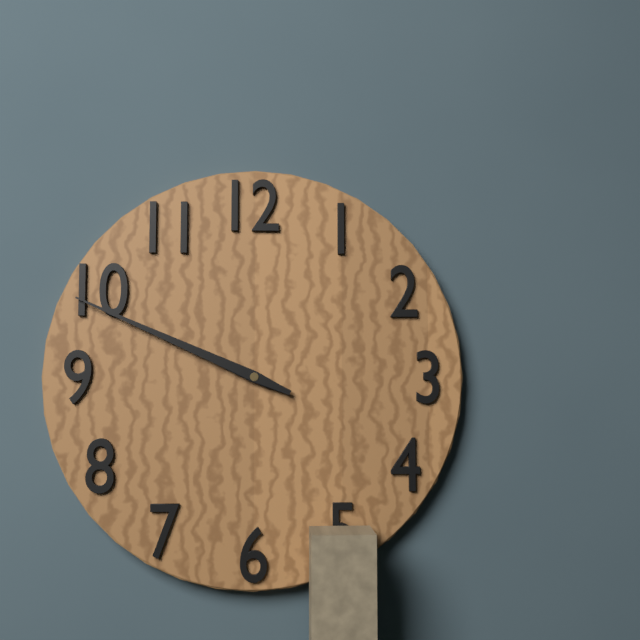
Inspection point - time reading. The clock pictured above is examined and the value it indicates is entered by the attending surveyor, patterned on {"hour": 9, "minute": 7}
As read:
{"hour": 9, "minute": 49}
